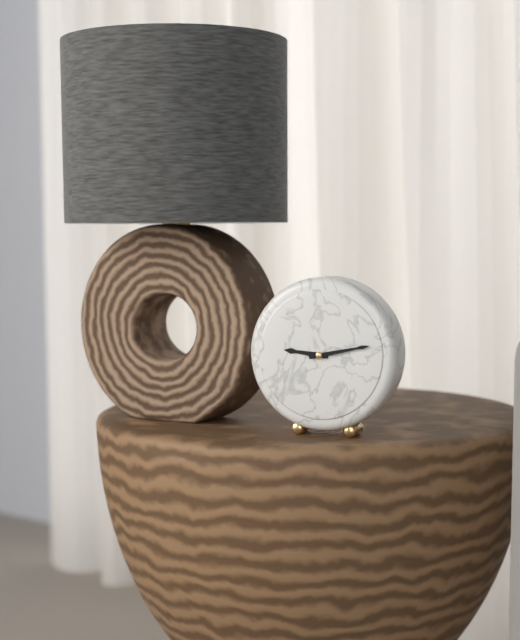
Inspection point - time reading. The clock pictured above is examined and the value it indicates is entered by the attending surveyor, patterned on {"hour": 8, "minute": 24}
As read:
{"hour": 9, "minute": 13}
